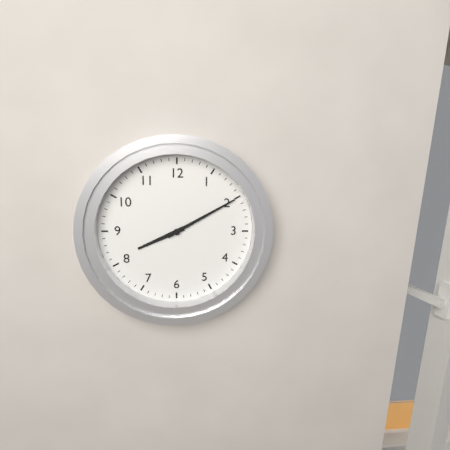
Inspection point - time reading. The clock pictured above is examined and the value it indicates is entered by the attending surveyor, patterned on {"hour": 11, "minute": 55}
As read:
{"hour": 8, "minute": 10}
